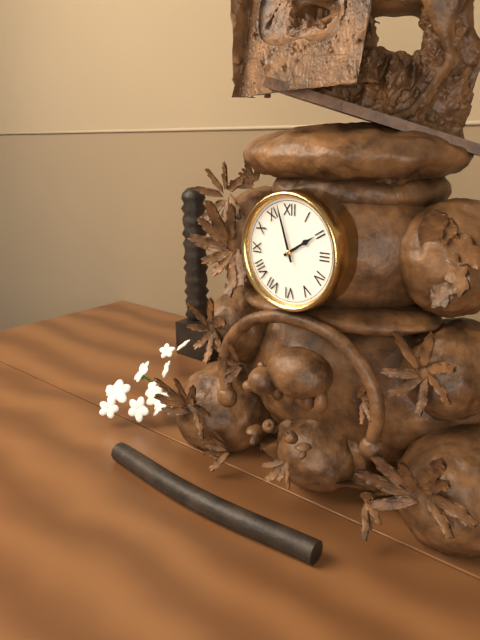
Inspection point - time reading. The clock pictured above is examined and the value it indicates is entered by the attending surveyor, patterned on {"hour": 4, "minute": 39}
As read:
{"hour": 1, "minute": 57}
